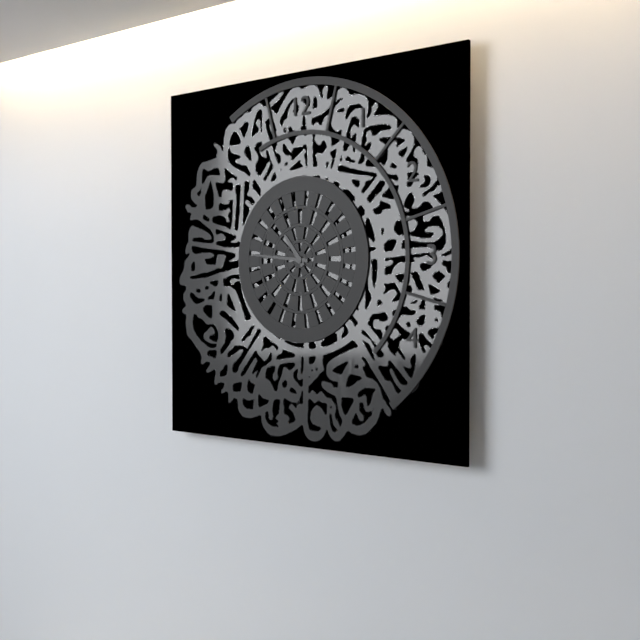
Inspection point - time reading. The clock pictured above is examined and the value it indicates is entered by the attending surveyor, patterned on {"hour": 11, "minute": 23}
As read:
{"hour": 10, "minute": 46}
